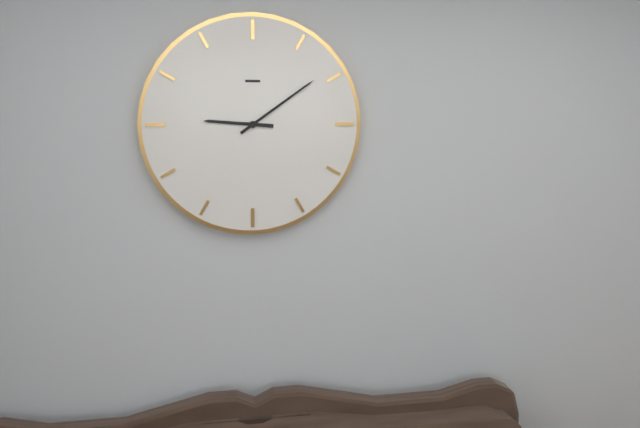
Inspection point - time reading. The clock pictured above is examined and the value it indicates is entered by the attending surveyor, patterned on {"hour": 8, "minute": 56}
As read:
{"hour": 9, "minute": 9}
